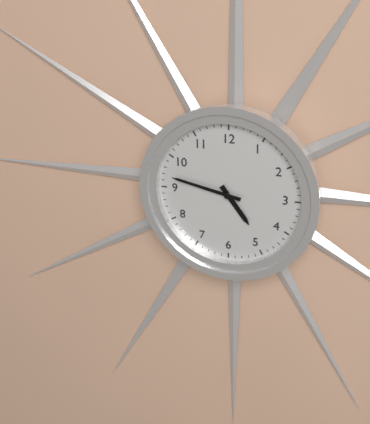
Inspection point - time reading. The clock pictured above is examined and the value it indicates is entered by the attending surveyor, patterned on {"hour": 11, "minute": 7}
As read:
{"hour": 4, "minute": 47}
